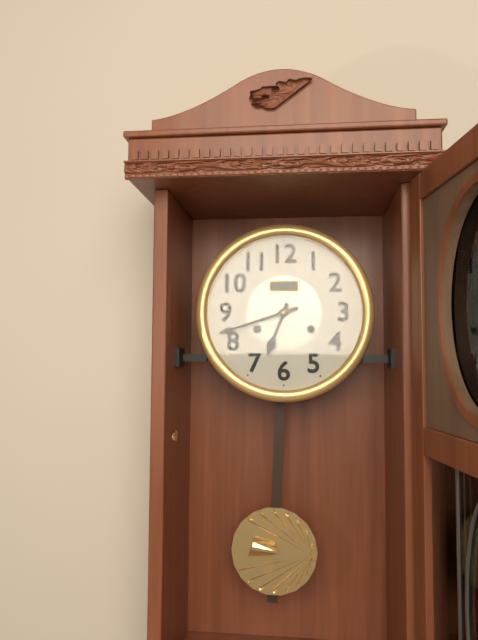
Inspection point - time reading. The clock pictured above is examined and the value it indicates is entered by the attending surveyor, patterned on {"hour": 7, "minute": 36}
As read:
{"hour": 6, "minute": 42}
